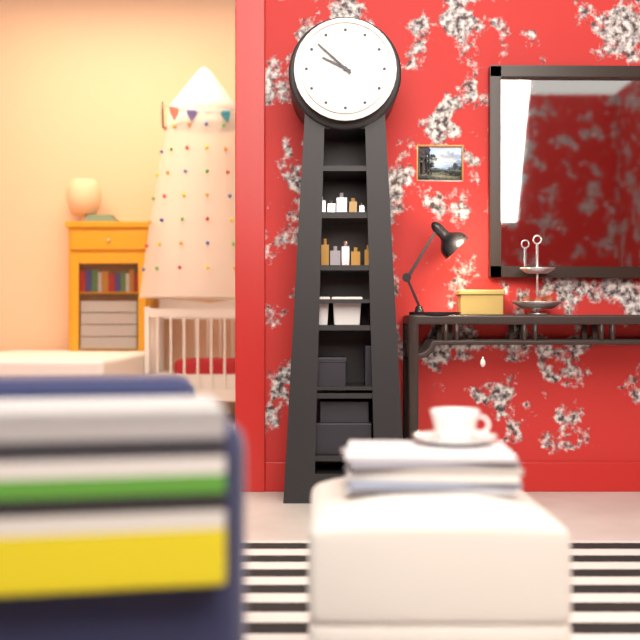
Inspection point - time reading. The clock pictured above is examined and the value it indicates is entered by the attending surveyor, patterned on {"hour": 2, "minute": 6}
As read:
{"hour": 9, "minute": 52}
